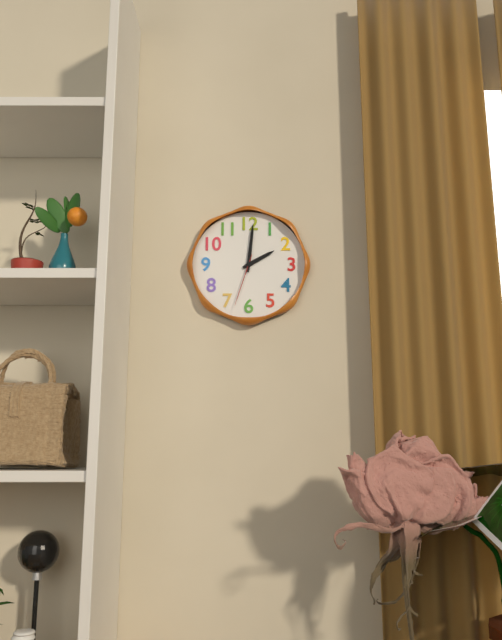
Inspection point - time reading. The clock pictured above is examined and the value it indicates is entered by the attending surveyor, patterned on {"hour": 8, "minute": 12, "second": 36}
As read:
{"hour": 2, "minute": 1, "second": 33}
